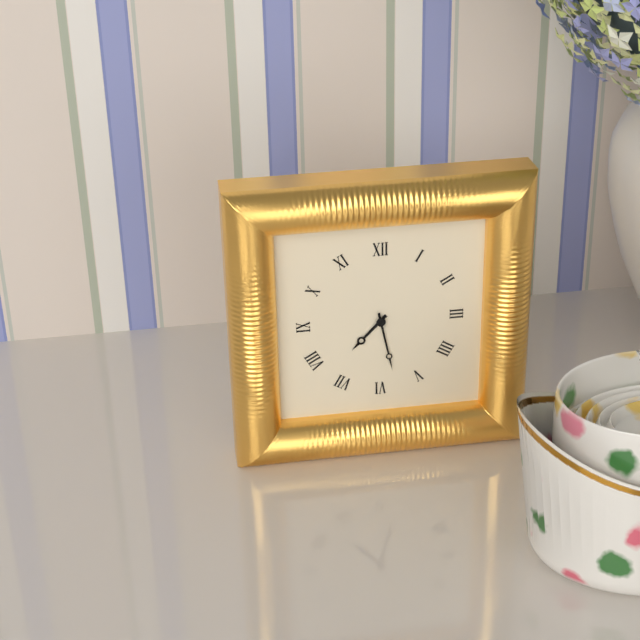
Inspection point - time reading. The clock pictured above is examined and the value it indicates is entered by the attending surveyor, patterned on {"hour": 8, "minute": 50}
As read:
{"hour": 7, "minute": 28}
